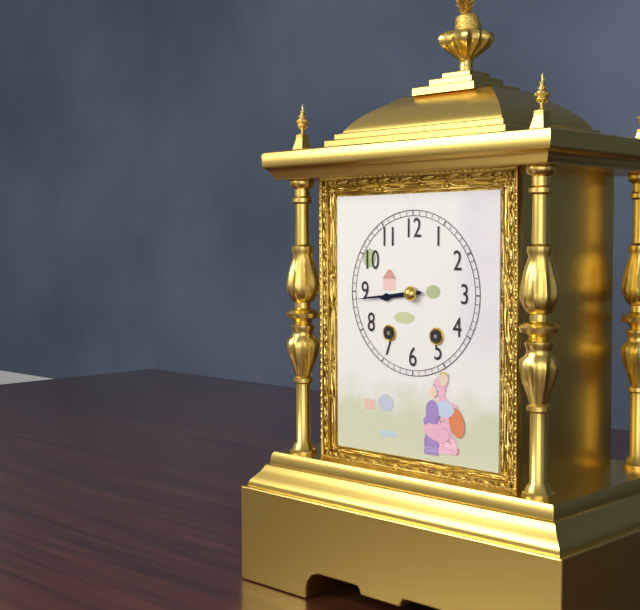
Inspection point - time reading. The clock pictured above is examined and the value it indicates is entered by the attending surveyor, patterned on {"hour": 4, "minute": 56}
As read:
{"hour": 8, "minute": 44}
